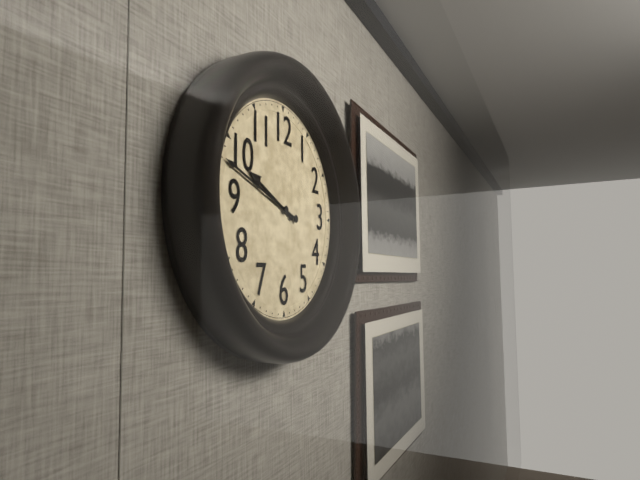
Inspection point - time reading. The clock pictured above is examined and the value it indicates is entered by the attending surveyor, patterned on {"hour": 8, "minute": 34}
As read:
{"hour": 9, "minute": 48}
